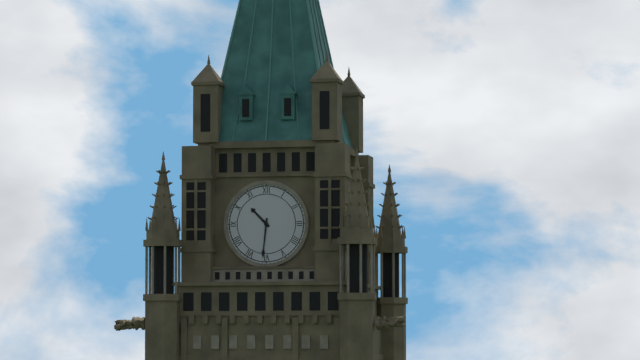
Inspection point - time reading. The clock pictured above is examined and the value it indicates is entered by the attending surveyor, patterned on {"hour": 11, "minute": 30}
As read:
{"hour": 10, "minute": 31}
